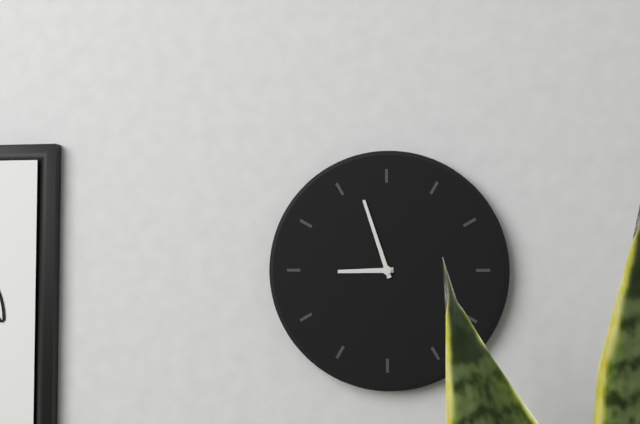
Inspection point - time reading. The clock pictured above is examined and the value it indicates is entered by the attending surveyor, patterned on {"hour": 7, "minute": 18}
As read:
{"hour": 8, "minute": 57}
